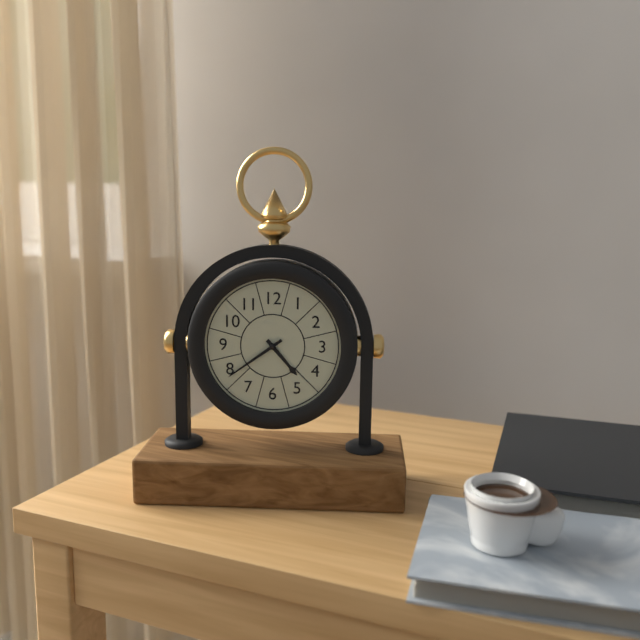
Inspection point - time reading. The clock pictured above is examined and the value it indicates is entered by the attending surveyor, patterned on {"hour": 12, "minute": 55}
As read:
{"hour": 4, "minute": 39}
